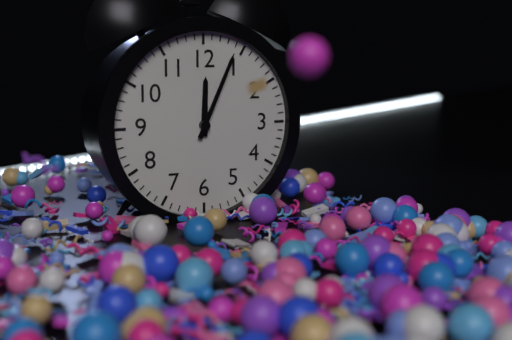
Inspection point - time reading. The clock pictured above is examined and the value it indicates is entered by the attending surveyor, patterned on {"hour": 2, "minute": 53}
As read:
{"hour": 12, "minute": 4}
